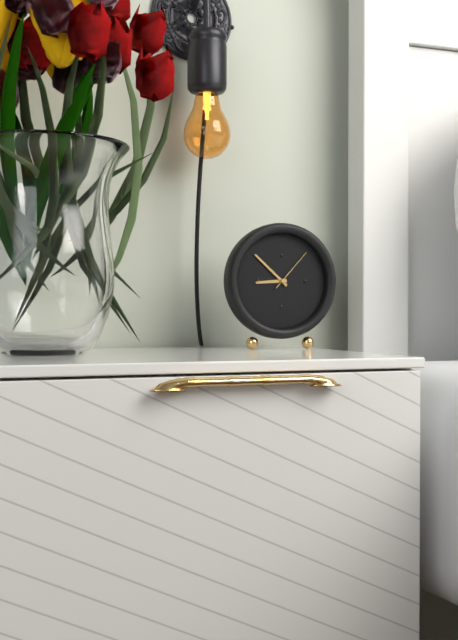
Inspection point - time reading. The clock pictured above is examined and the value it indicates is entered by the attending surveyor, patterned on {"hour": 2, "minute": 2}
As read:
{"hour": 8, "minute": 52}
